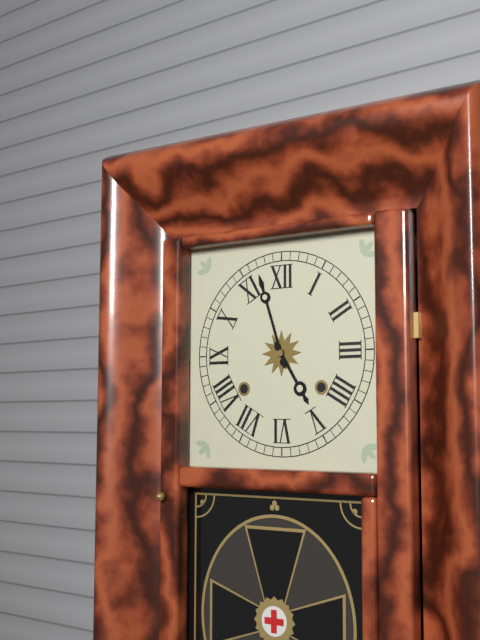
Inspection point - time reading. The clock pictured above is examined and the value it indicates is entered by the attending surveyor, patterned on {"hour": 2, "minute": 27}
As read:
{"hour": 4, "minute": 57}
